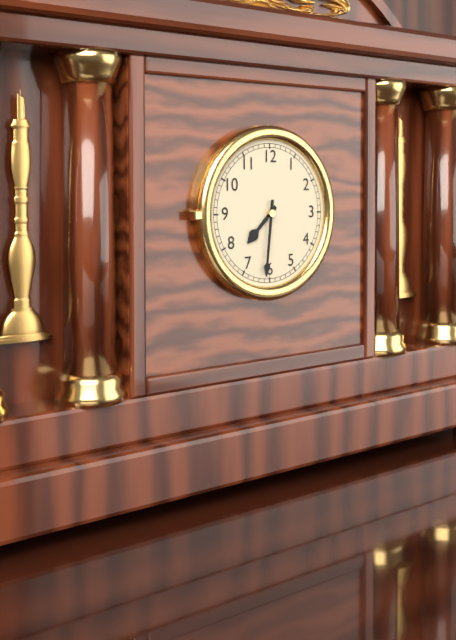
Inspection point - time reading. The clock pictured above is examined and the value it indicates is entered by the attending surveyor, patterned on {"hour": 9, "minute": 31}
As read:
{"hour": 7, "minute": 31}
